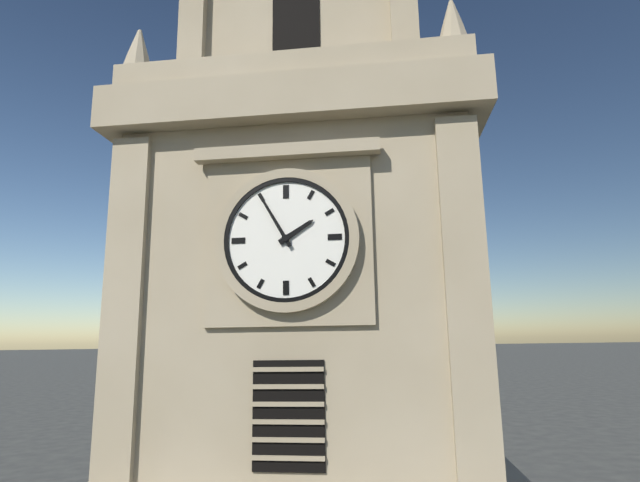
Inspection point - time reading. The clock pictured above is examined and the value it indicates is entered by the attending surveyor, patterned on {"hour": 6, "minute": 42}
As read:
{"hour": 1, "minute": 55}
